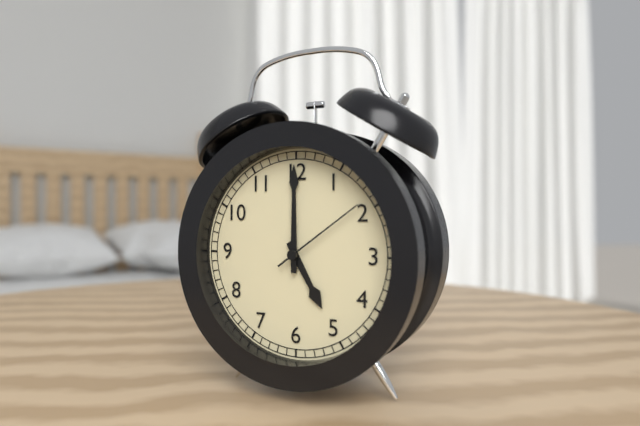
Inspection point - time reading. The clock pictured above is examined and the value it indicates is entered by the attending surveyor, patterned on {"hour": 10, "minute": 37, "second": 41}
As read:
{"hour": 5, "minute": 0, "second": 9}
